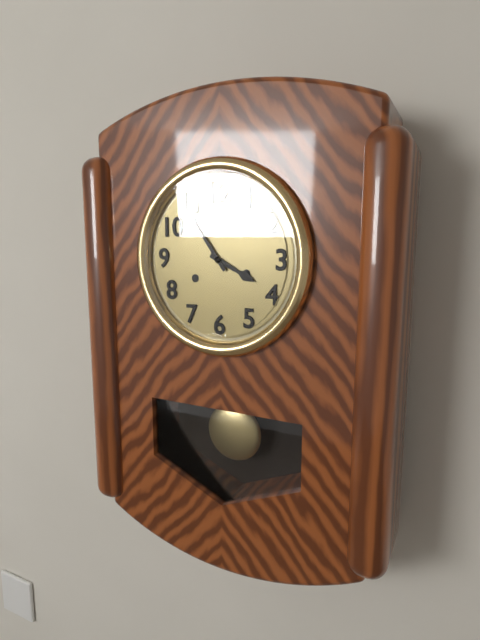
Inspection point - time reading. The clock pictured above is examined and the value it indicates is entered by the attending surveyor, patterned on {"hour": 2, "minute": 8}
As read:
{"hour": 3, "minute": 54}
